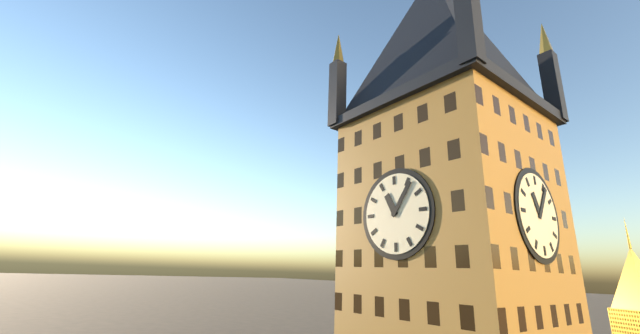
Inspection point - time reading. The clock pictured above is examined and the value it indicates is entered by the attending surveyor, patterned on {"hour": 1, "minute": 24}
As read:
{"hour": 11, "minute": 6}
